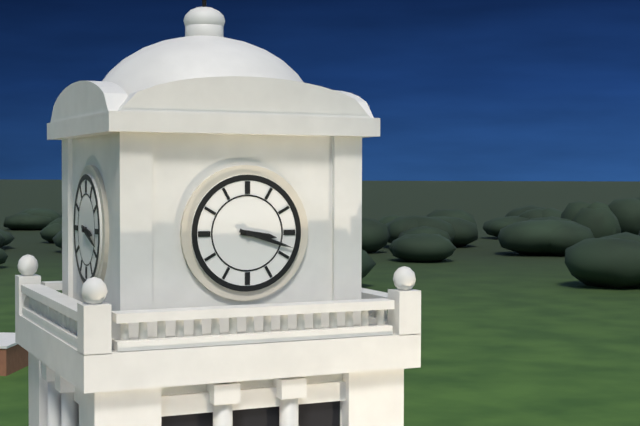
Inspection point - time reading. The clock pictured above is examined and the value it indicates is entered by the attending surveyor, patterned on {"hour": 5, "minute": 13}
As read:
{"hour": 3, "minute": 18}
